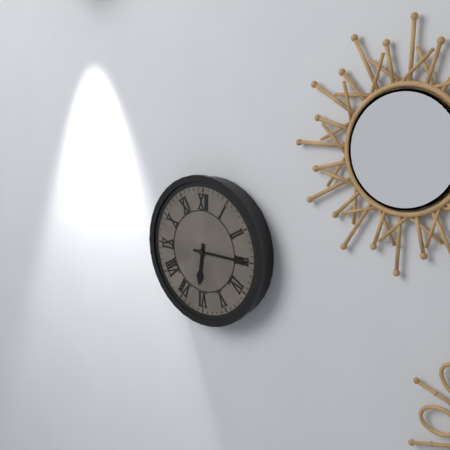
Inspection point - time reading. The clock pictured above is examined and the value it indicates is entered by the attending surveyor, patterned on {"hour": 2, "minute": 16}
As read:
{"hour": 6, "minute": 15}
